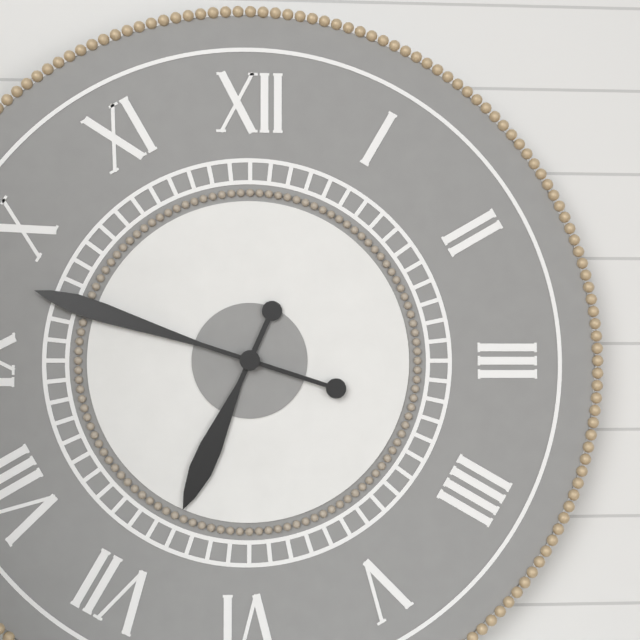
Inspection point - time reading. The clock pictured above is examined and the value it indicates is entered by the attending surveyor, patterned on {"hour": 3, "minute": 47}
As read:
{"hour": 6, "minute": 48}
